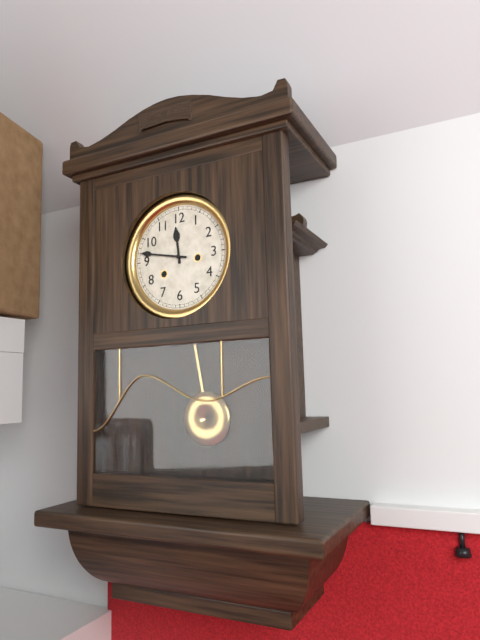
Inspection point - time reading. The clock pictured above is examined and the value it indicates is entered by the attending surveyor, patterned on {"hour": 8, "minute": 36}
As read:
{"hour": 11, "minute": 47}
